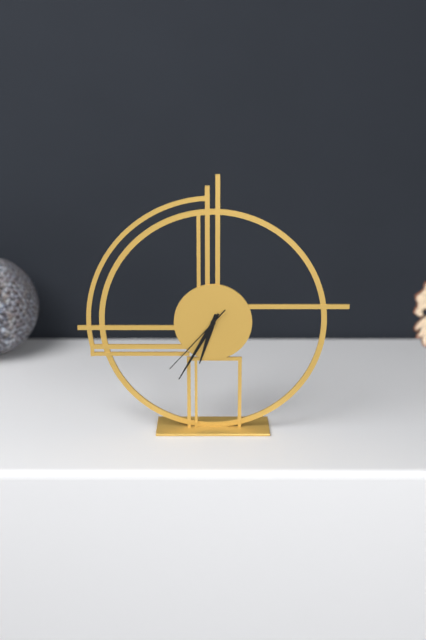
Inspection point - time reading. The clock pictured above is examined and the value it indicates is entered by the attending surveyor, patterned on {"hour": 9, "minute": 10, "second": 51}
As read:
{"hour": 6, "minute": 35, "second": 37}
